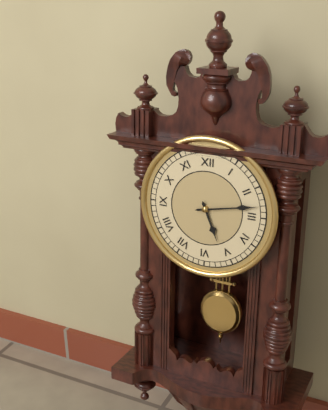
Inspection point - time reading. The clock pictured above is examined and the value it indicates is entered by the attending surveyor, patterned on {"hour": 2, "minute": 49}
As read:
{"hour": 5, "minute": 13}
